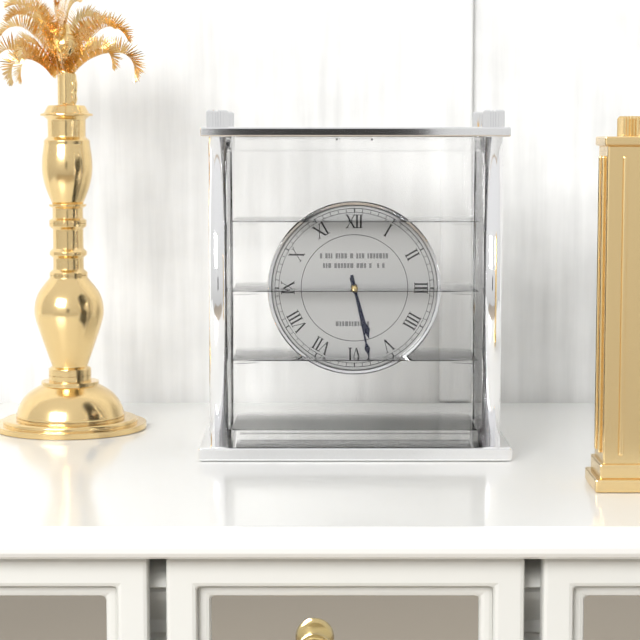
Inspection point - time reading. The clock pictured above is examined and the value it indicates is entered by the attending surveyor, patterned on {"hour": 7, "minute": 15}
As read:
{"hour": 5, "minute": 28}
